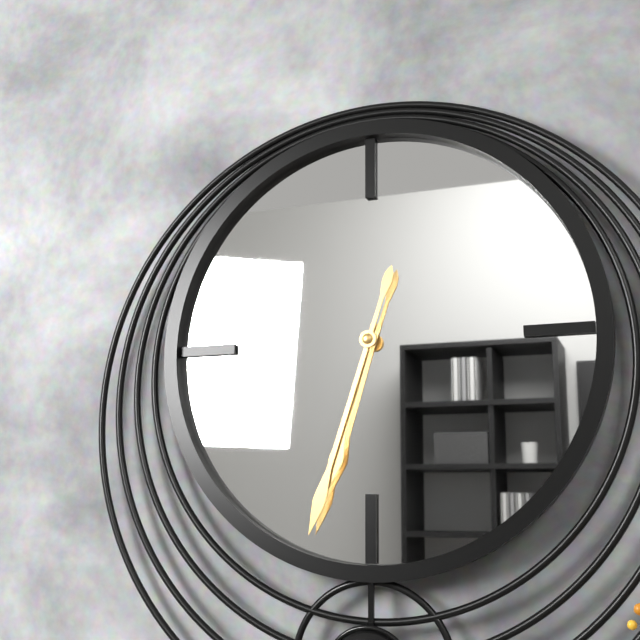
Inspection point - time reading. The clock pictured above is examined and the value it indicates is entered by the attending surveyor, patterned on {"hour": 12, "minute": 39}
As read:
{"hour": 6, "minute": 33}
